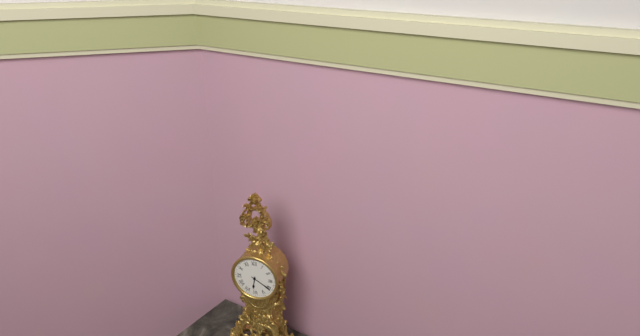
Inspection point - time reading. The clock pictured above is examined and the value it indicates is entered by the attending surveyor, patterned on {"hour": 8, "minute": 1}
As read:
{"hour": 6, "minute": 20}
